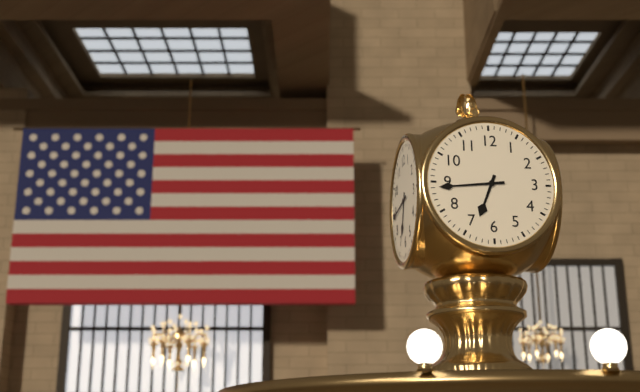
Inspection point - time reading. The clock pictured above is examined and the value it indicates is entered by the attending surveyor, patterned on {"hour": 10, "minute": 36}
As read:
{"hour": 6, "minute": 44}
